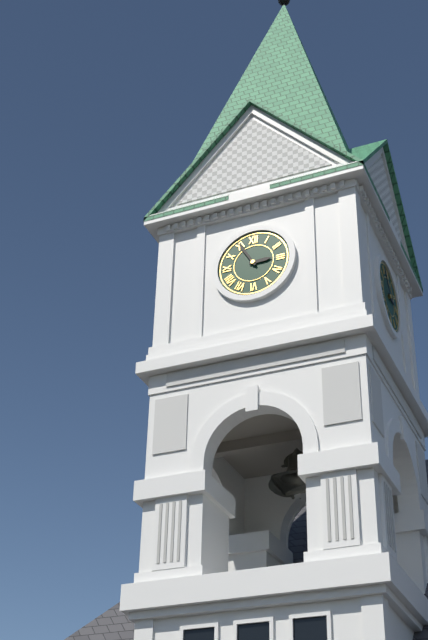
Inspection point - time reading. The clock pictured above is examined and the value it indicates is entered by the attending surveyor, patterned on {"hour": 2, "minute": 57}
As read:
{"hour": 2, "minute": 55}
